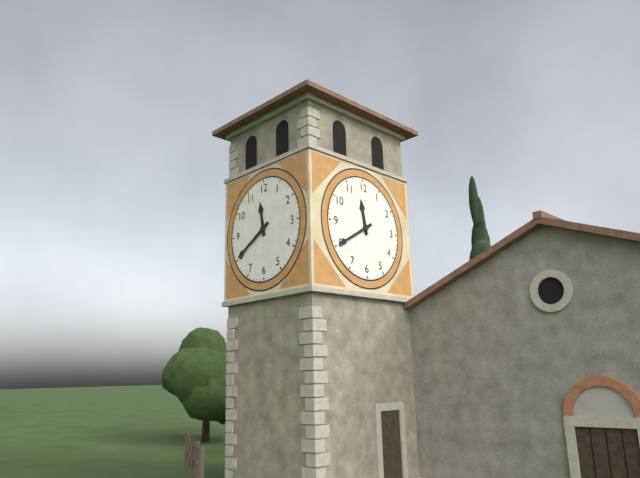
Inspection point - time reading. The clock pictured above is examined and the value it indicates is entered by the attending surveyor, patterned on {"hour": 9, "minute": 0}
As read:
{"hour": 11, "minute": 40}
